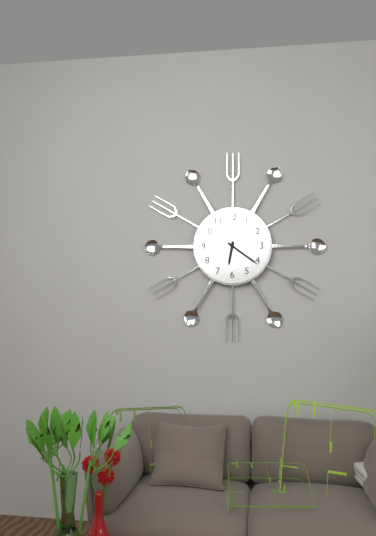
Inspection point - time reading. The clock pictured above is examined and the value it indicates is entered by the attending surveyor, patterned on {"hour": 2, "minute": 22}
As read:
{"hour": 6, "minute": 21}
